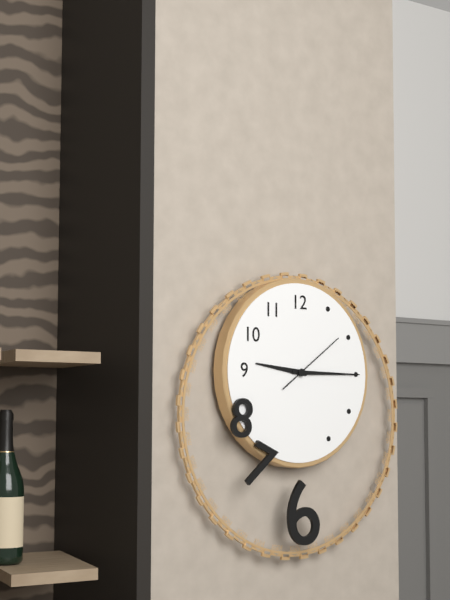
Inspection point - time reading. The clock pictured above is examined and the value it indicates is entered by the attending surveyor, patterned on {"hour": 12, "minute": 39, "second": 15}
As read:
{"hour": 9, "minute": 15, "second": 9}
